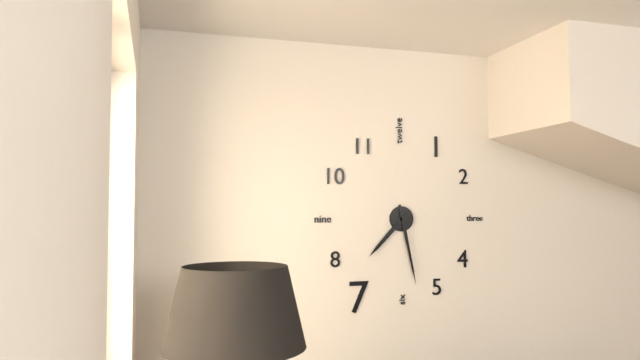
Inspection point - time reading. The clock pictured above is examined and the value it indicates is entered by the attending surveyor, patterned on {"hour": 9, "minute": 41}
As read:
{"hour": 7, "minute": 28}
